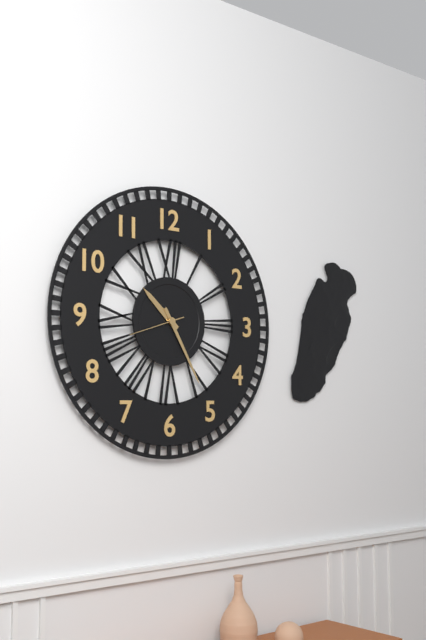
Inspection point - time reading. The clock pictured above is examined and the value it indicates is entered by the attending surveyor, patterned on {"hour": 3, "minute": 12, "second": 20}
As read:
{"hour": 10, "minute": 25, "second": 42}
